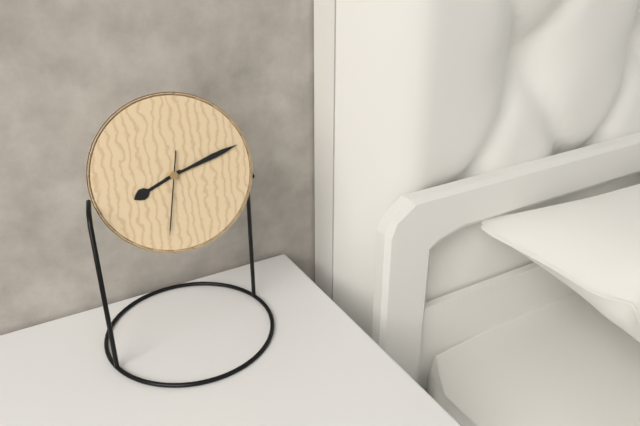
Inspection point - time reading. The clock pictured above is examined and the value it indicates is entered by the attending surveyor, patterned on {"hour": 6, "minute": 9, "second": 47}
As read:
{"hour": 8, "minute": 12, "second": 32}
